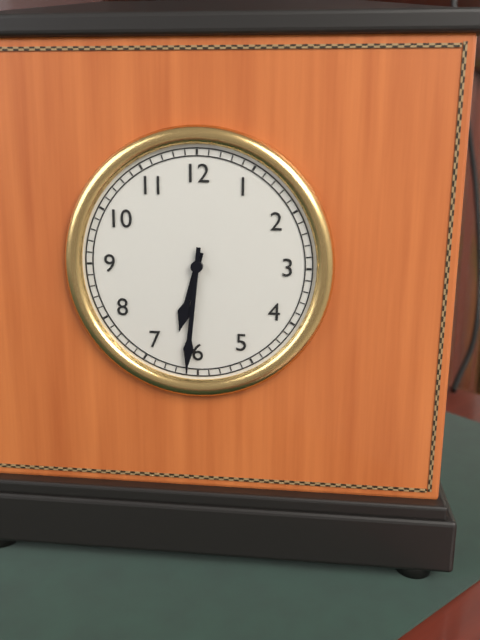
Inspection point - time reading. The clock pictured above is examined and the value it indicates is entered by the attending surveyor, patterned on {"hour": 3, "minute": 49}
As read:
{"hour": 6, "minute": 31}
